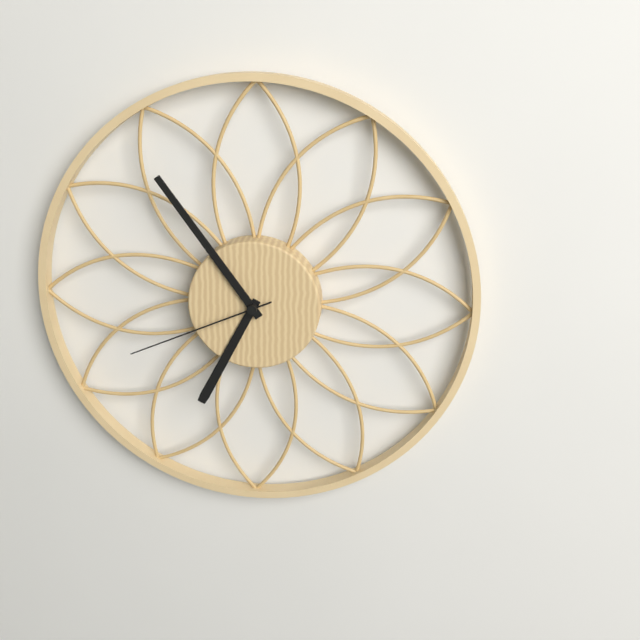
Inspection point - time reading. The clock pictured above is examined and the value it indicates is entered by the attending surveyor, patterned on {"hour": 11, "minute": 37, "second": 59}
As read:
{"hour": 6, "minute": 54, "second": 41}
